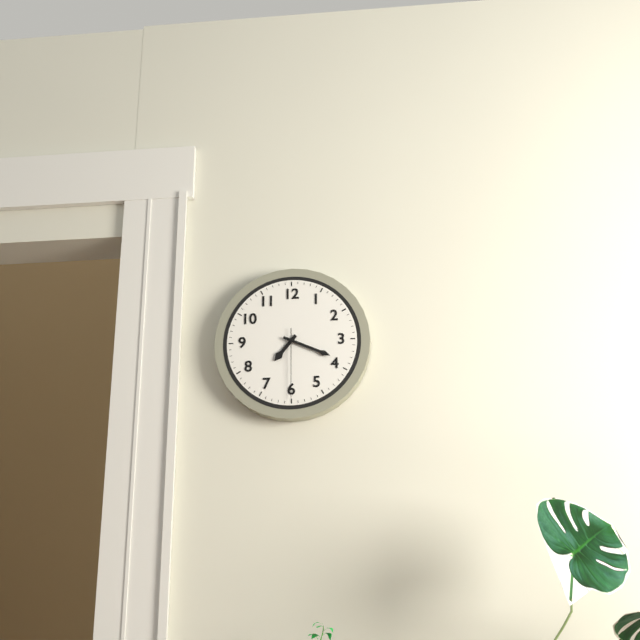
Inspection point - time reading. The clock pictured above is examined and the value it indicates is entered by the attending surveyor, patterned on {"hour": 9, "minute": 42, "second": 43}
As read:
{"hour": 7, "minute": 19, "second": 30}
